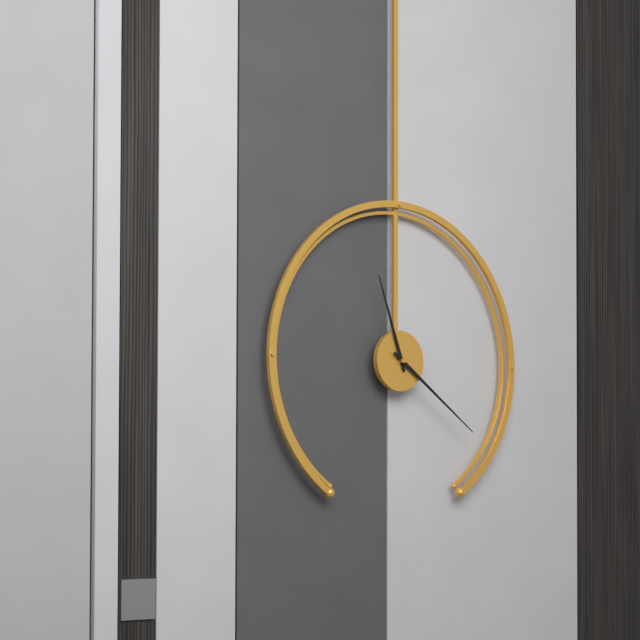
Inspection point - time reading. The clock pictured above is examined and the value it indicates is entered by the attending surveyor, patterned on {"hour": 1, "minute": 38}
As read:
{"hour": 11, "minute": 21}
